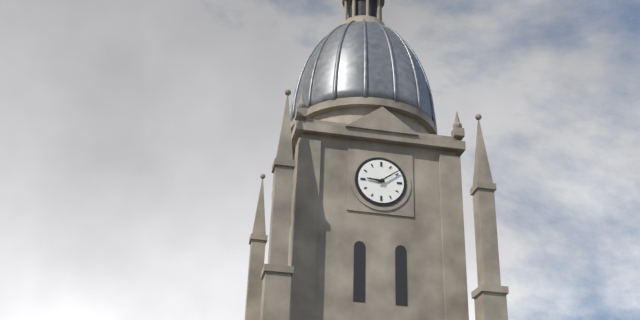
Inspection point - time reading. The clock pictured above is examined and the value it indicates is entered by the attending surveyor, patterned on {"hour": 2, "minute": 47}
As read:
{"hour": 9, "minute": 9}
